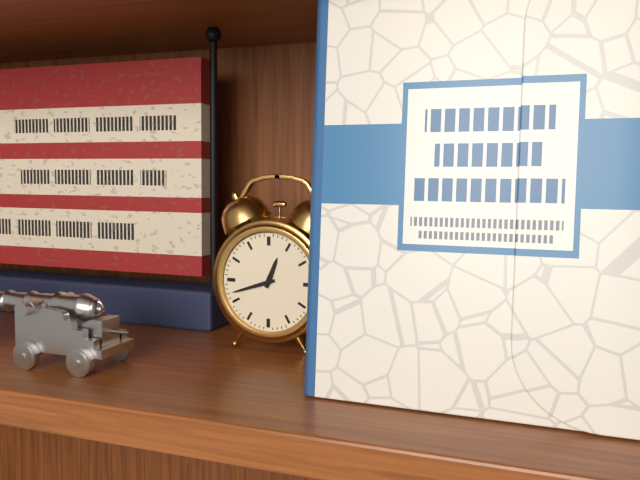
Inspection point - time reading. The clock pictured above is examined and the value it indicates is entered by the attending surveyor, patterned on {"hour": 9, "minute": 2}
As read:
{"hour": 12, "minute": 42}
